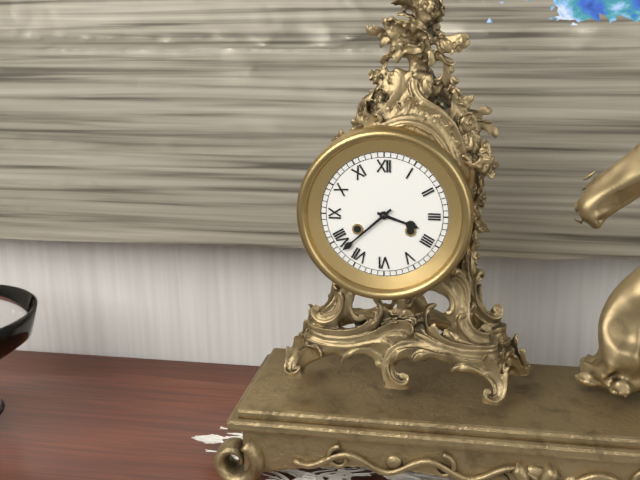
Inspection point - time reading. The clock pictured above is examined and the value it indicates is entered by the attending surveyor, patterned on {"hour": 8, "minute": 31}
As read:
{"hour": 3, "minute": 38}
